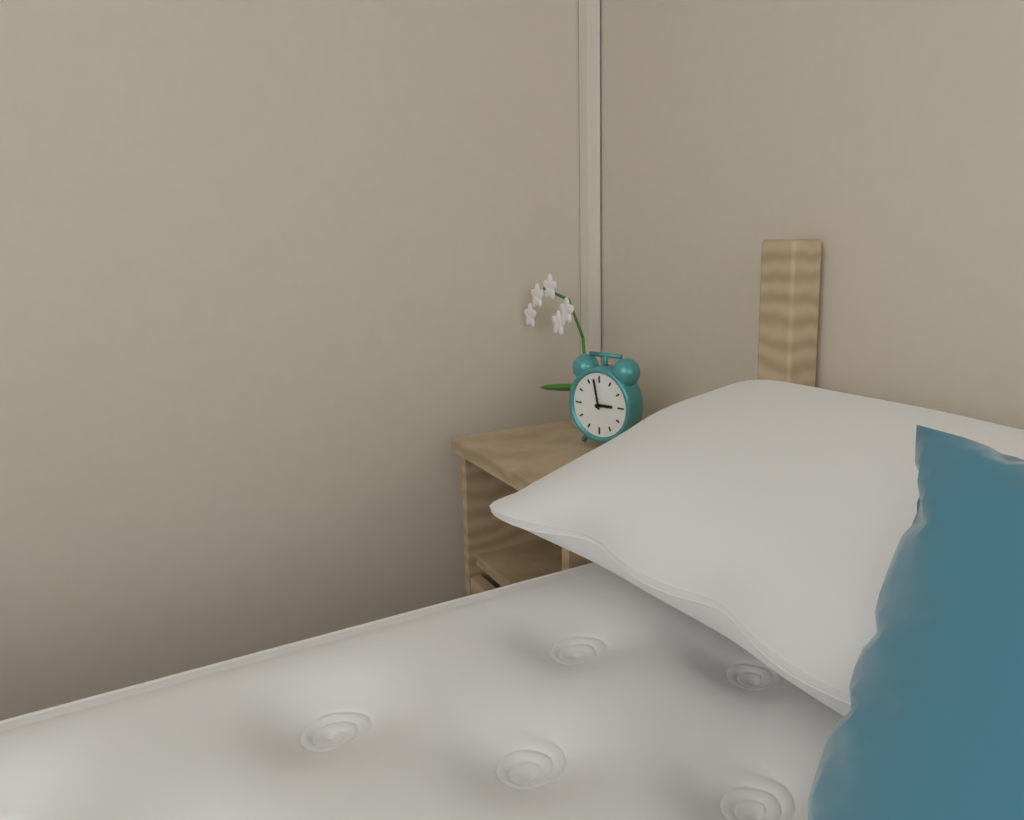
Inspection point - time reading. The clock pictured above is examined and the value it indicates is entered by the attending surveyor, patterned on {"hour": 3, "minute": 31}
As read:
{"hour": 2, "minute": 58}
